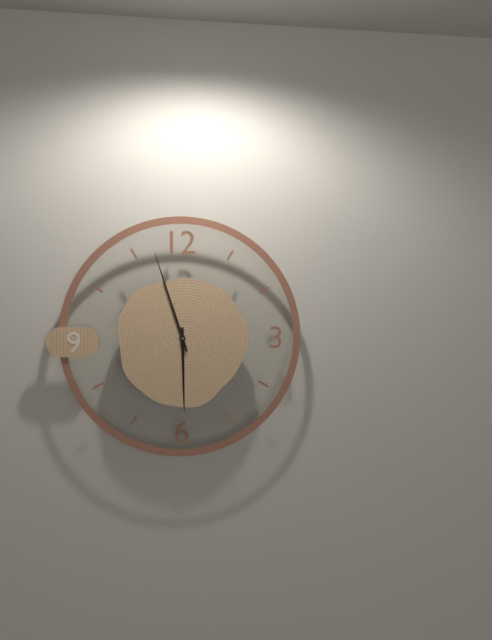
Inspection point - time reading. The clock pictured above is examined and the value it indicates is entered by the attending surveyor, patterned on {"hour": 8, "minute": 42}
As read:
{"hour": 5, "minute": 57}
